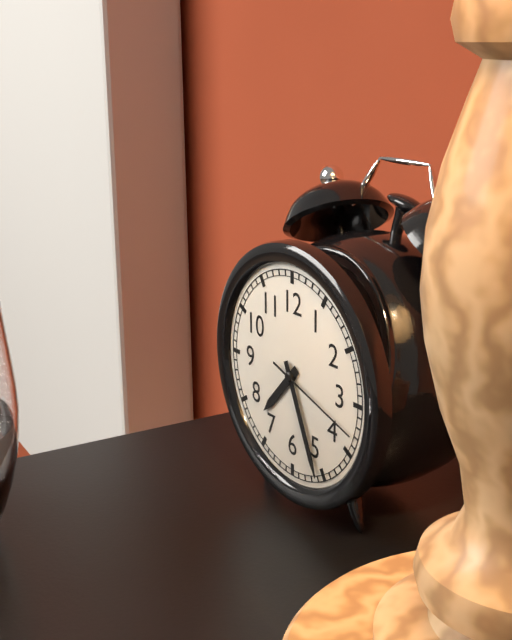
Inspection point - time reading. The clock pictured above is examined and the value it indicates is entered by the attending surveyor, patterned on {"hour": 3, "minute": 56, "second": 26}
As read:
{"hour": 7, "minute": 26, "second": 18}
